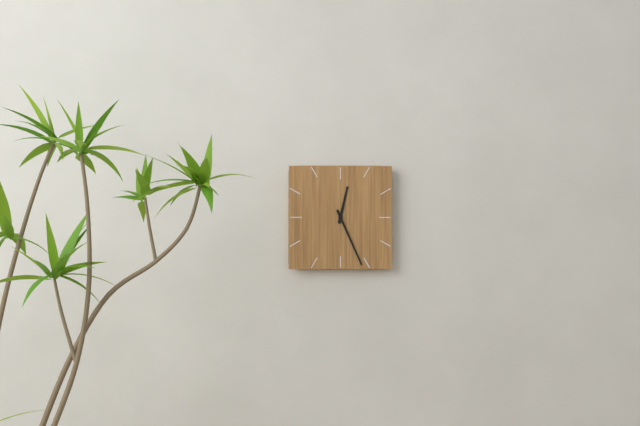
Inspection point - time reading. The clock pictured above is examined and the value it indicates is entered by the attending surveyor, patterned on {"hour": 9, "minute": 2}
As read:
{"hour": 12, "minute": 26}
